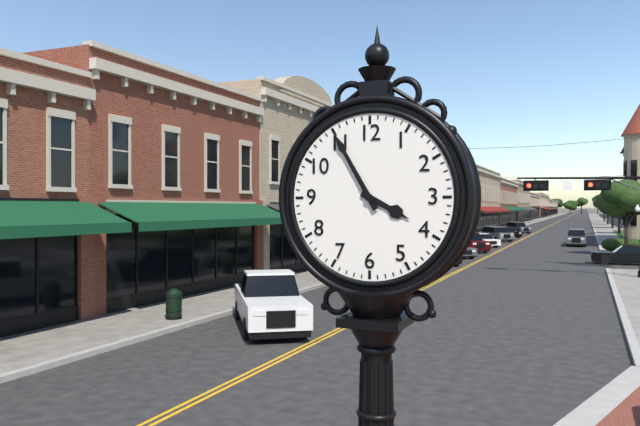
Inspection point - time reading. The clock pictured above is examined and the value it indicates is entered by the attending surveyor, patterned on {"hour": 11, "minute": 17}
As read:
{"hour": 3, "minute": 55}
